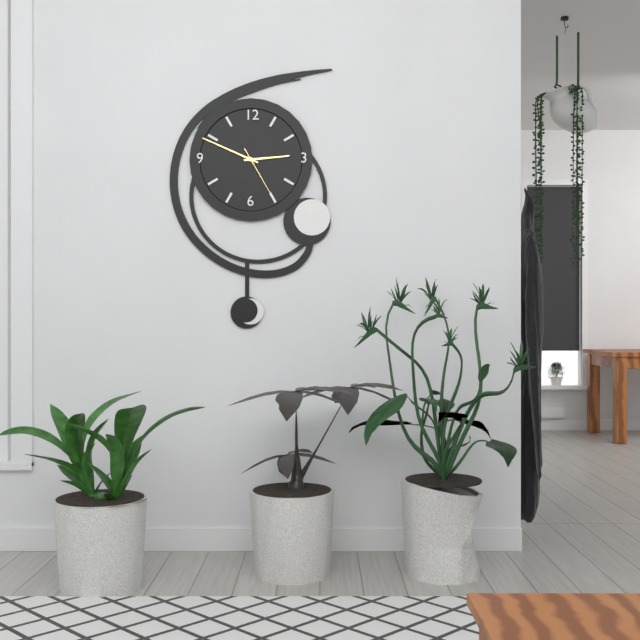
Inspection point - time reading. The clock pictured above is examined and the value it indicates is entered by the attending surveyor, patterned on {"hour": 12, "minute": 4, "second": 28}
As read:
{"hour": 2, "minute": 49, "second": 25}
